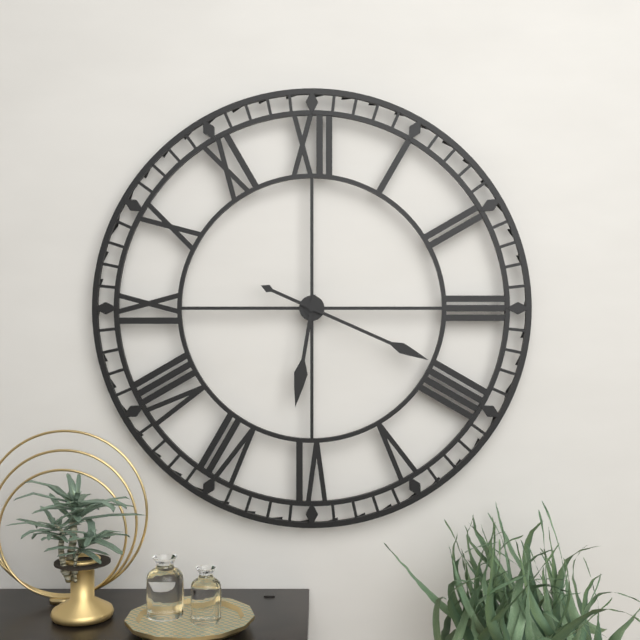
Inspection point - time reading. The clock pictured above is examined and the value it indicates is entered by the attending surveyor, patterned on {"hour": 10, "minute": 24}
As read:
{"hour": 6, "minute": 19}
